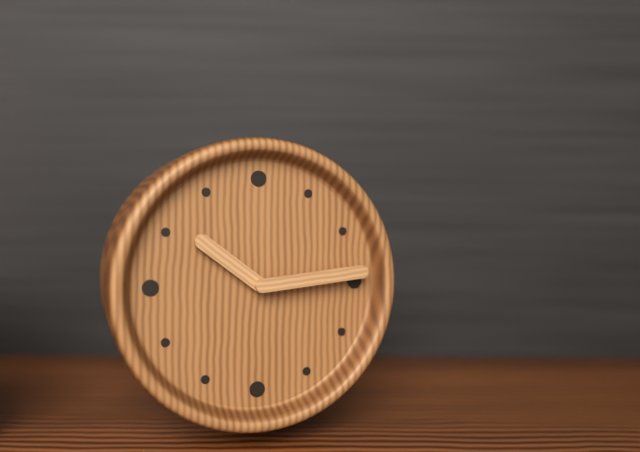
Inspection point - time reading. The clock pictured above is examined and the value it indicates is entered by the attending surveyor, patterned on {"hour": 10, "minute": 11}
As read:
{"hour": 10, "minute": 14}
